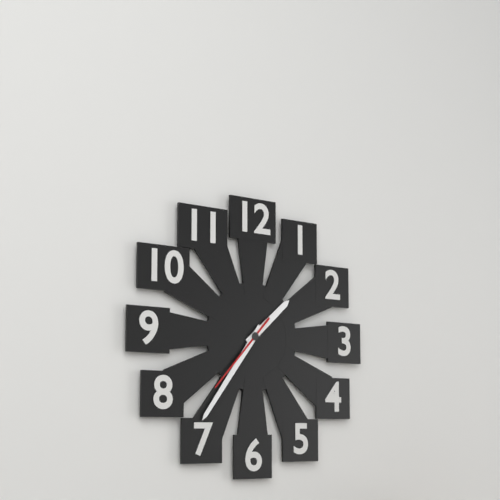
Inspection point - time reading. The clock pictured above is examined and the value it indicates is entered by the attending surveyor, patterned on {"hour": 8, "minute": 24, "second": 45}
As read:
{"hour": 1, "minute": 36, "second": 37}
